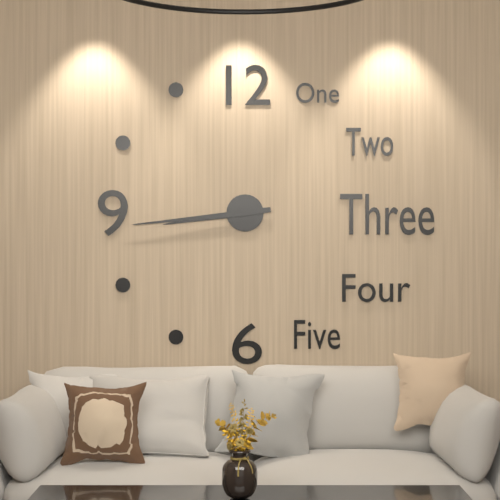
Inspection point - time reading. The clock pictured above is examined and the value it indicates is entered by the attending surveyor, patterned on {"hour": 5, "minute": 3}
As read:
{"hour": 8, "minute": 44}
